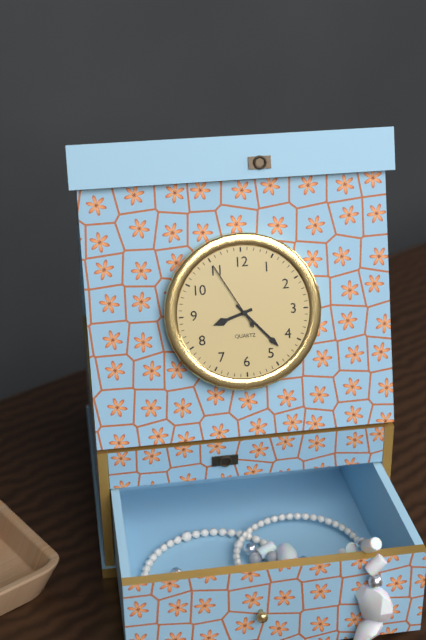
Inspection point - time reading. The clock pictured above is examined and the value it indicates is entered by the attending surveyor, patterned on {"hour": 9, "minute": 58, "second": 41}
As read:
{"hour": 8, "minute": 23, "second": 55}
